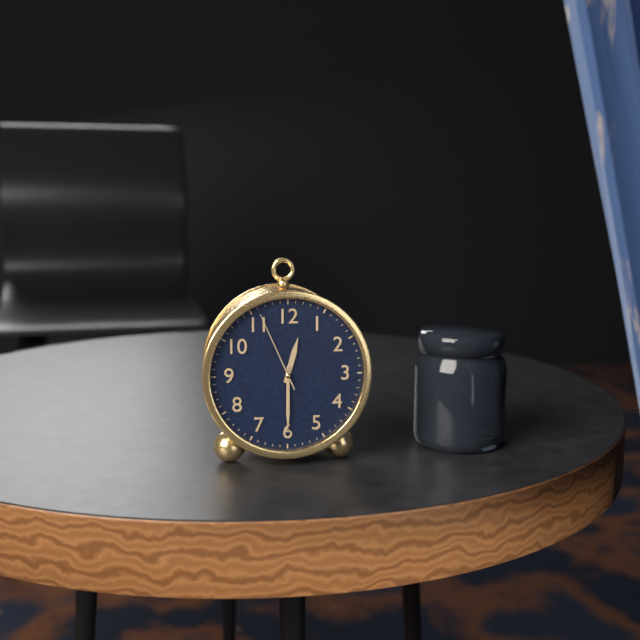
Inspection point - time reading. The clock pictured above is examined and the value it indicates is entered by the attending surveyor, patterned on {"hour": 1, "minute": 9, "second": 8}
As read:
{"hour": 12, "minute": 30, "second": 56}
